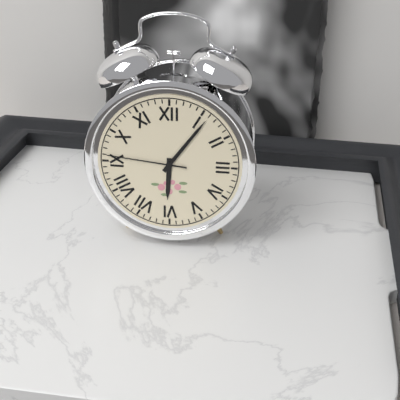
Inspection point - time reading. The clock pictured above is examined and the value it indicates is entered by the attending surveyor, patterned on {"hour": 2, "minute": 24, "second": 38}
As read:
{"hour": 6, "minute": 6, "second": 46}
